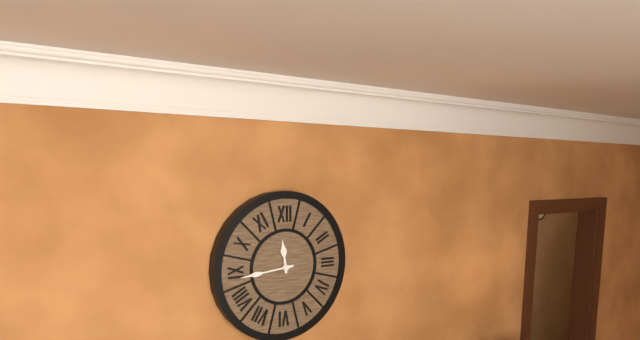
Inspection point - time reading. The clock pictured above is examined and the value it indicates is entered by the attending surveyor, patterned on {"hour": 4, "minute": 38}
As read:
{"hour": 11, "minute": 44}
